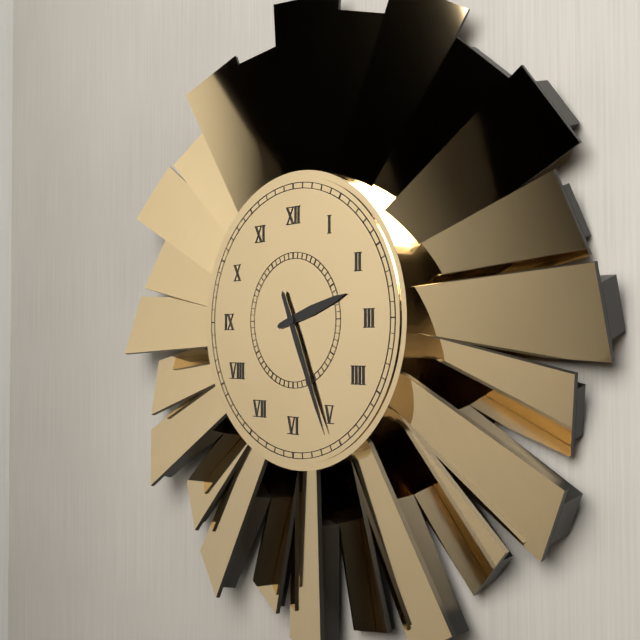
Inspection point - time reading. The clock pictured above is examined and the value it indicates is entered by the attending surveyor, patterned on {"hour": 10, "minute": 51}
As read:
{"hour": 2, "minute": 26}
